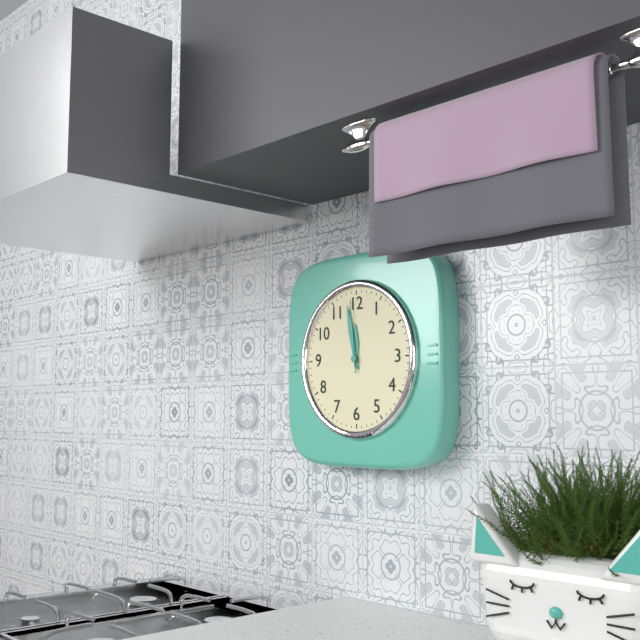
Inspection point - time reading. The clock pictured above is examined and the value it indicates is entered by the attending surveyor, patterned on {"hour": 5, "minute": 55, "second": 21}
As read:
{"hour": 11, "minute": 58, "second": 59}
